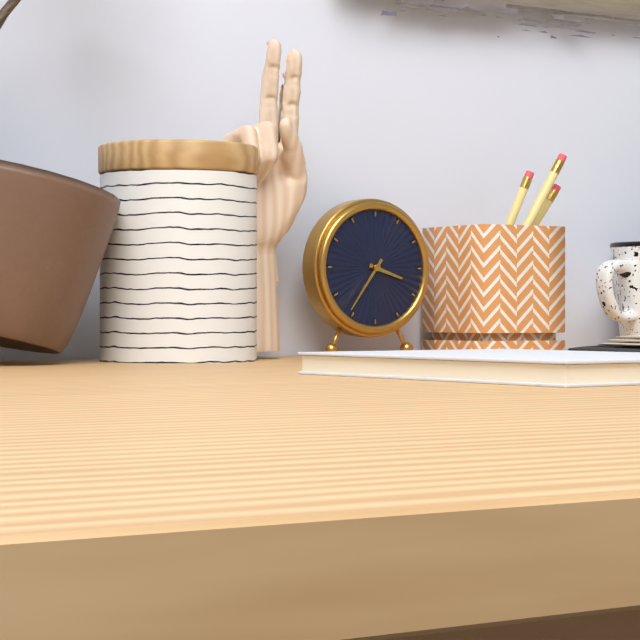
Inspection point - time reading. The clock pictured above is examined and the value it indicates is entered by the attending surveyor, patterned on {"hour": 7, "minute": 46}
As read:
{"hour": 3, "minute": 36}
